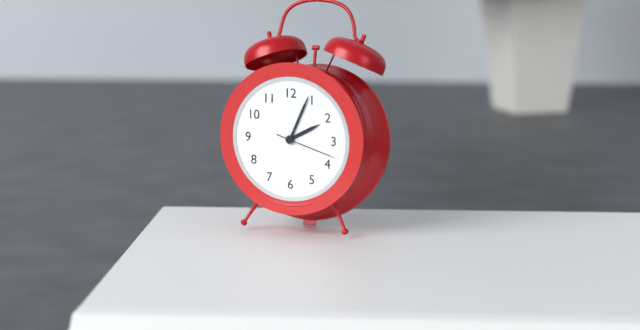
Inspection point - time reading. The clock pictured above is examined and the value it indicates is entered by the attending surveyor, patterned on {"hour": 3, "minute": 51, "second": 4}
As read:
{"hour": 2, "minute": 4, "second": 18}
